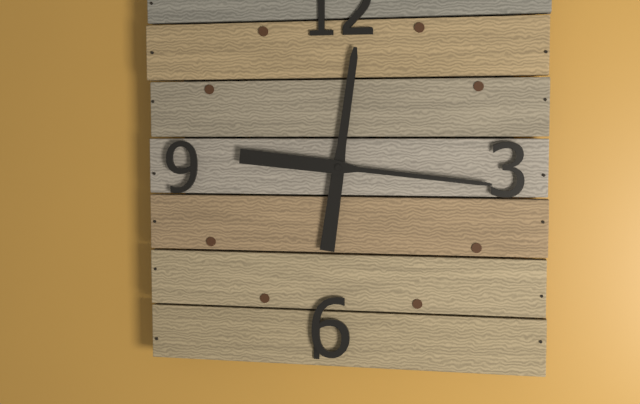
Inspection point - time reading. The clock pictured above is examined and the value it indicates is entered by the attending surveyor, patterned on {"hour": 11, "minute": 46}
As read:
{"hour": 12, "minute": 16}
